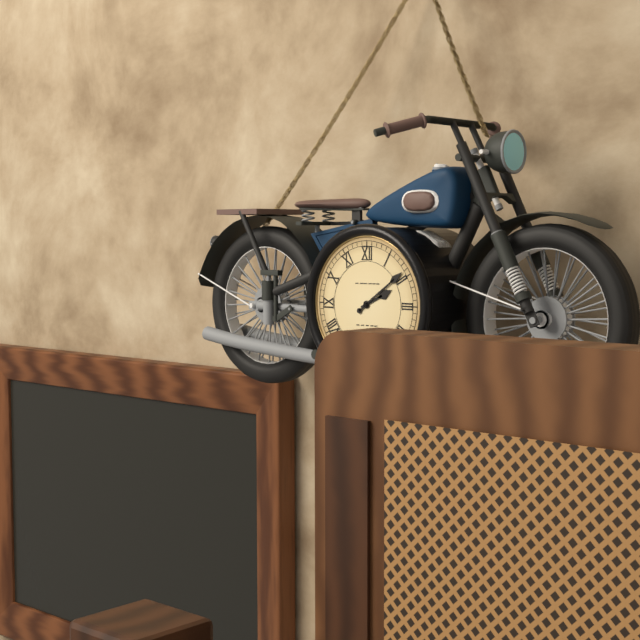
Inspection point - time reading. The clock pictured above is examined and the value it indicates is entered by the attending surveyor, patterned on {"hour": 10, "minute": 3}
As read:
{"hour": 2, "minute": 9}
